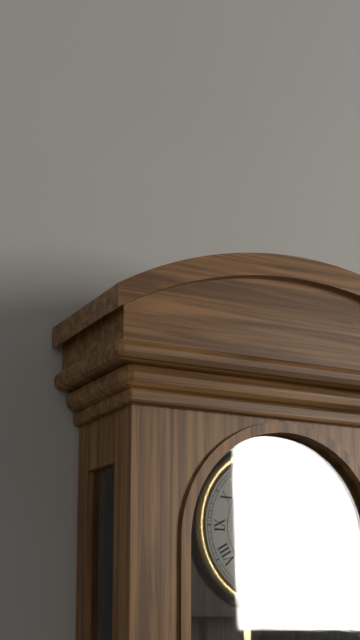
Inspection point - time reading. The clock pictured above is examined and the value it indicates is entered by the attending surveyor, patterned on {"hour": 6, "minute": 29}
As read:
{"hour": 6, "minute": 0}
